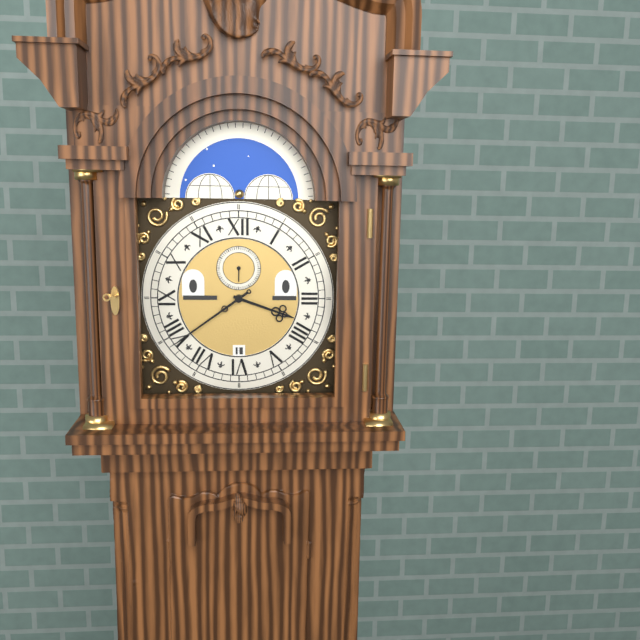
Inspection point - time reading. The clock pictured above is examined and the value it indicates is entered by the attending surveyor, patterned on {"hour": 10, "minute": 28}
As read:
{"hour": 3, "minute": 39}
